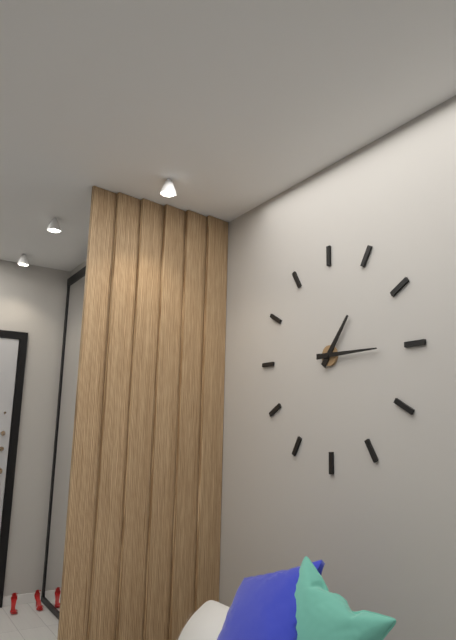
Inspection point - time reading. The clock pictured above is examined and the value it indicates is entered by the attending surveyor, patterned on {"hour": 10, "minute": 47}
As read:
{"hour": 1, "minute": 15}
